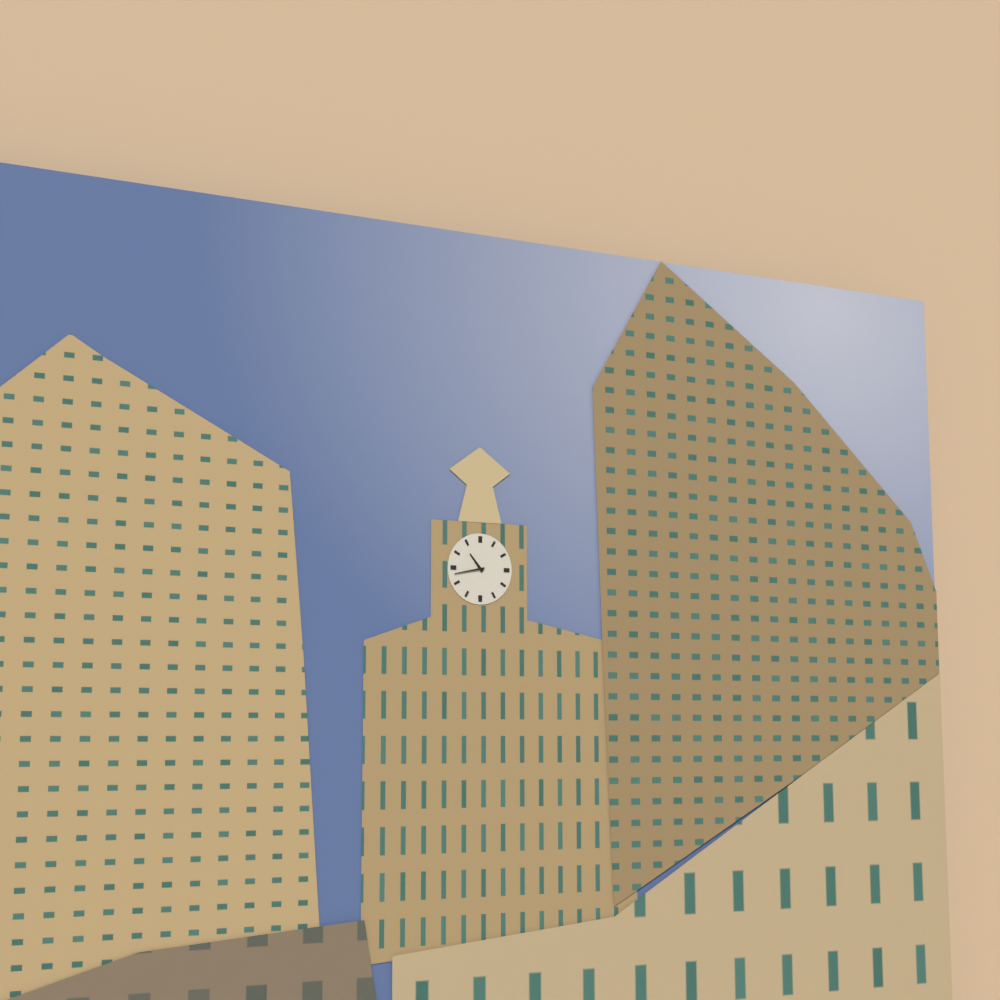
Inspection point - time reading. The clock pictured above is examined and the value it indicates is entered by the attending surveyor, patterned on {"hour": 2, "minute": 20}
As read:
{"hour": 10, "minute": 43}
